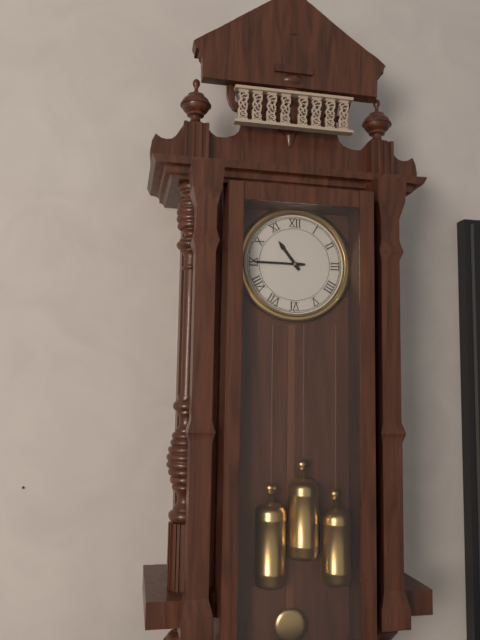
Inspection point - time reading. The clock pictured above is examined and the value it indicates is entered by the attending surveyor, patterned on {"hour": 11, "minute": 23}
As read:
{"hour": 10, "minute": 45}
